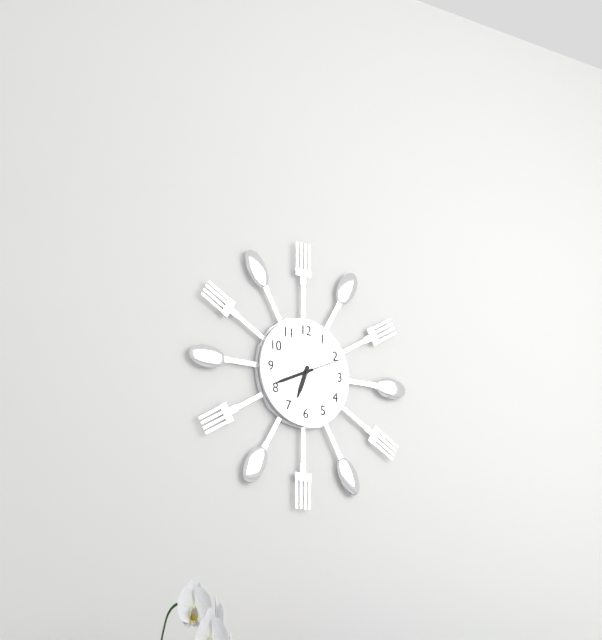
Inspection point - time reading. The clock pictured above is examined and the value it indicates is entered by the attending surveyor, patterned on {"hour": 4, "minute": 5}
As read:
{"hour": 6, "minute": 41}
